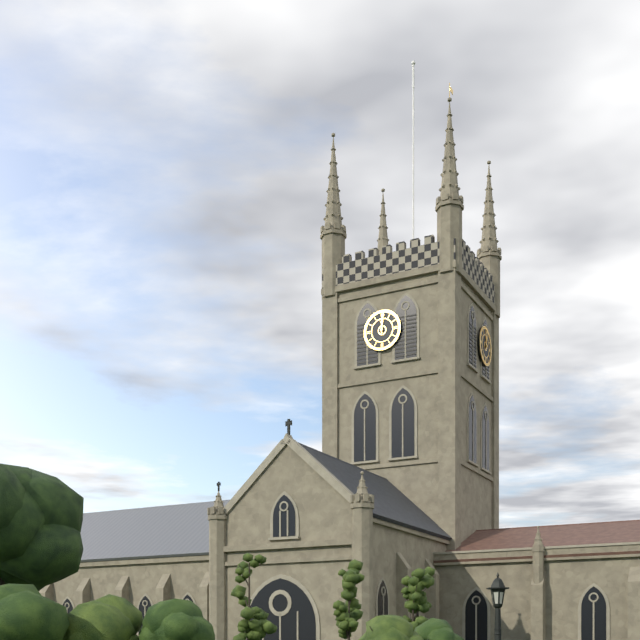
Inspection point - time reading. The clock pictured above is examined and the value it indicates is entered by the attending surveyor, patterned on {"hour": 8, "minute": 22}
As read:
{"hour": 12, "minute": 1}
